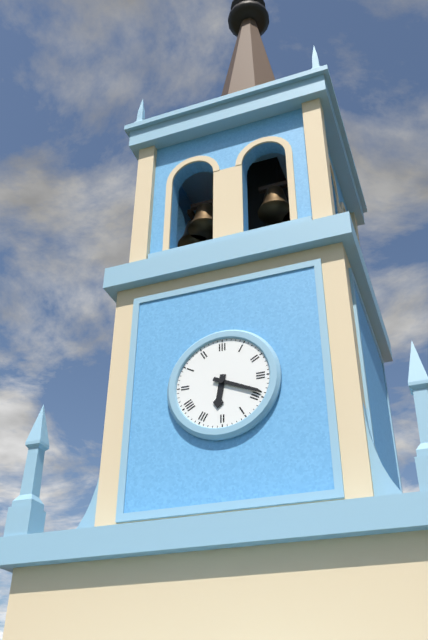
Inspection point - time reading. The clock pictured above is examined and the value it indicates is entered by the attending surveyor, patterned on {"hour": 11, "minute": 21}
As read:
{"hour": 6, "minute": 19}
